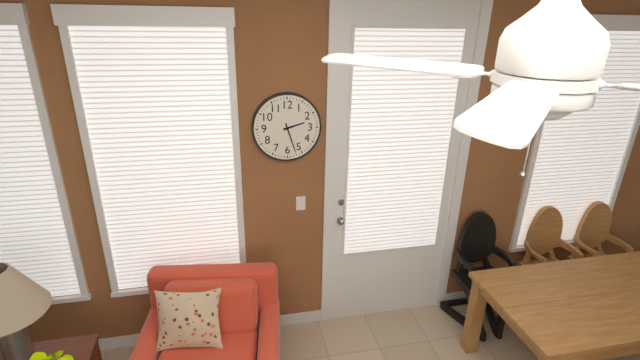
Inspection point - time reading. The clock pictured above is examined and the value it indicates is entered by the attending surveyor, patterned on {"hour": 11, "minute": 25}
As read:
{"hour": 2, "minute": 27}
